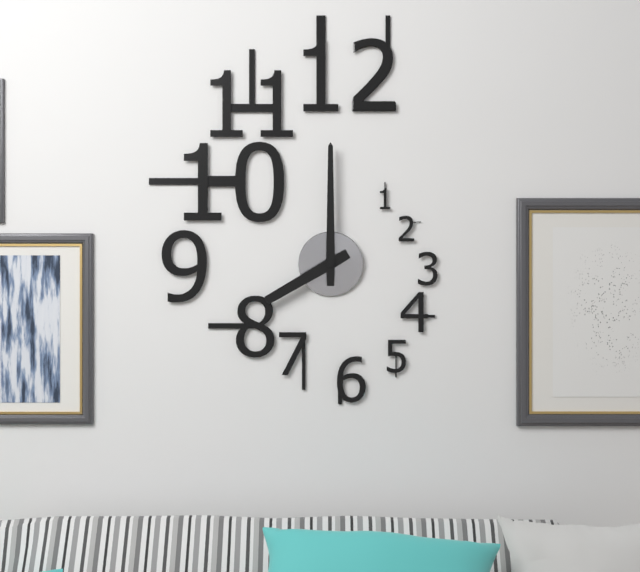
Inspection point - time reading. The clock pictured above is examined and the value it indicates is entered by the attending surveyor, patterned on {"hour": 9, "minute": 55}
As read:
{"hour": 8, "minute": 0}
